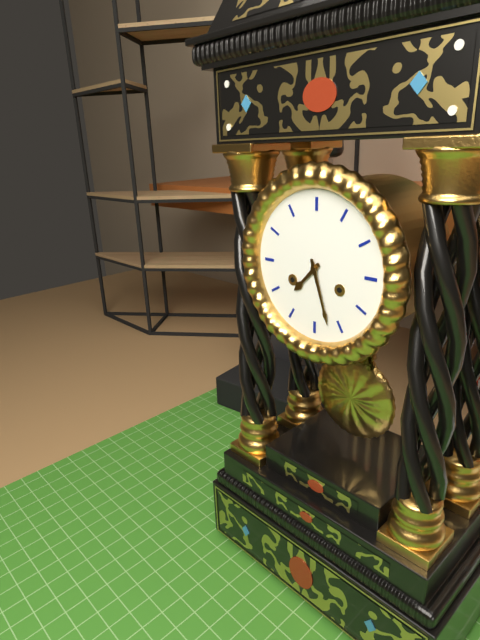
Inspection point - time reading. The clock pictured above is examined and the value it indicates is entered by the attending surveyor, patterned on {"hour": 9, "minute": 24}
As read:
{"hour": 7, "minute": 27}
